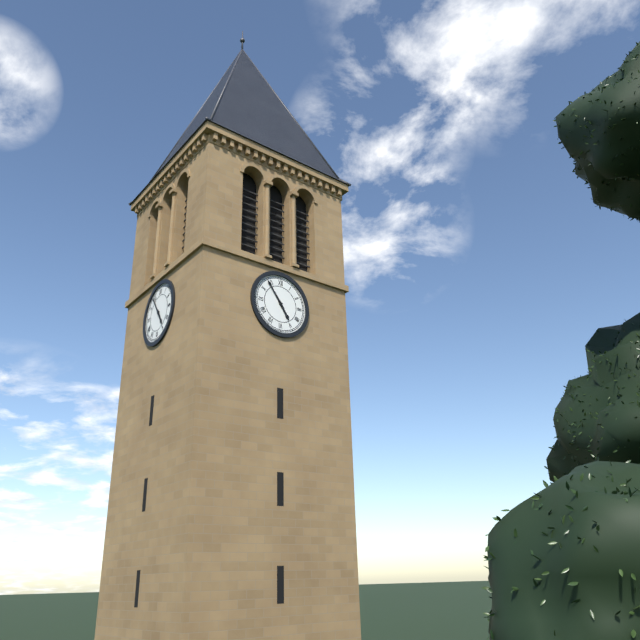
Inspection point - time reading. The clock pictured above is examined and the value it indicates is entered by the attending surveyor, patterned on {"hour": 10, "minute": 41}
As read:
{"hour": 4, "minute": 54}
